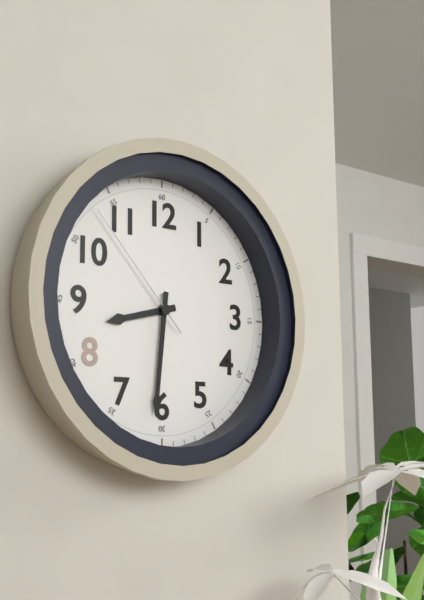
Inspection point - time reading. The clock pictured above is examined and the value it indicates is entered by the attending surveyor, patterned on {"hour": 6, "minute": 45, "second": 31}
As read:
{"hour": 8, "minute": 31, "second": 53}
